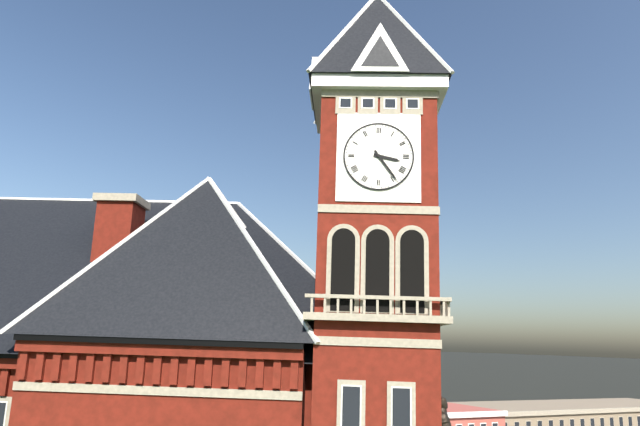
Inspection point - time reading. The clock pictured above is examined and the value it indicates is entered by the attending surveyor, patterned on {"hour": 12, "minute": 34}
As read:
{"hour": 3, "minute": 24}
